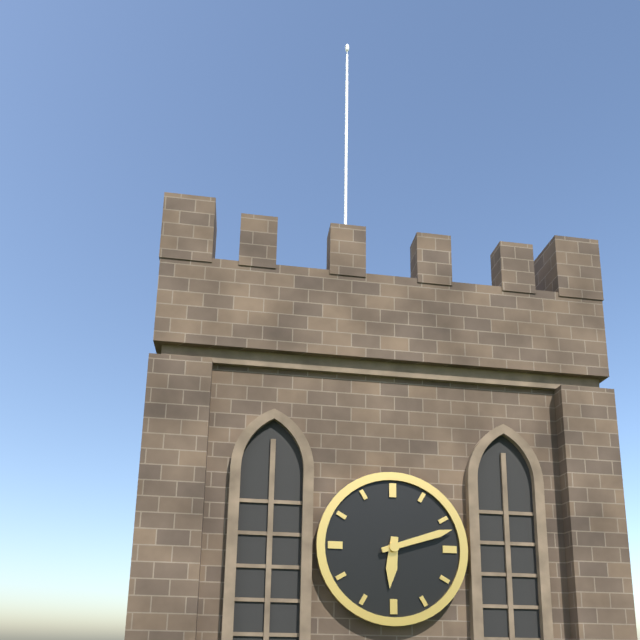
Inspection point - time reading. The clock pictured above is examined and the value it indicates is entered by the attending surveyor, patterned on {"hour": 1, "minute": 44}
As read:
{"hour": 6, "minute": 12}
